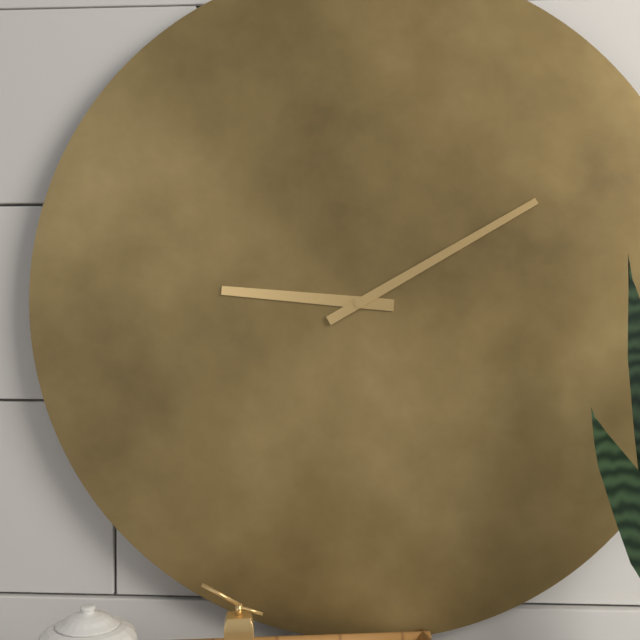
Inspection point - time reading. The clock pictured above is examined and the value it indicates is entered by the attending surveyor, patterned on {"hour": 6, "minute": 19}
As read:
{"hour": 9, "minute": 10}
